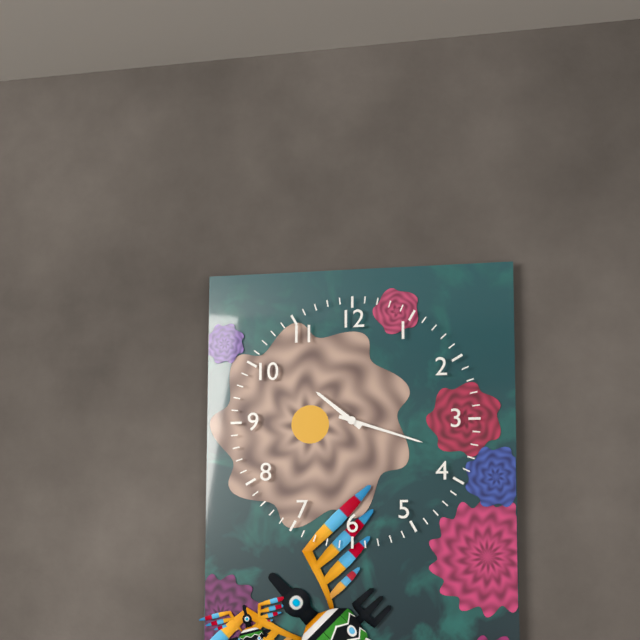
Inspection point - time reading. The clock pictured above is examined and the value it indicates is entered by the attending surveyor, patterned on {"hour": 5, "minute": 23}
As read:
{"hour": 10, "minute": 18}
